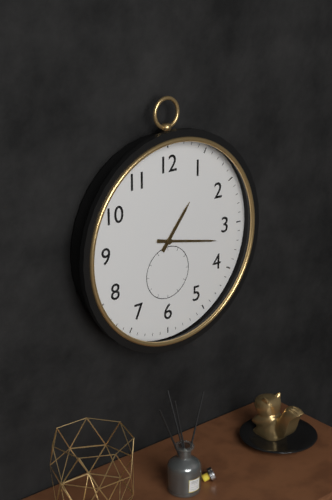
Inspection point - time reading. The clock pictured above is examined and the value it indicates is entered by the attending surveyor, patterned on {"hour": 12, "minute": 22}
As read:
{"hour": 1, "minute": 17}
